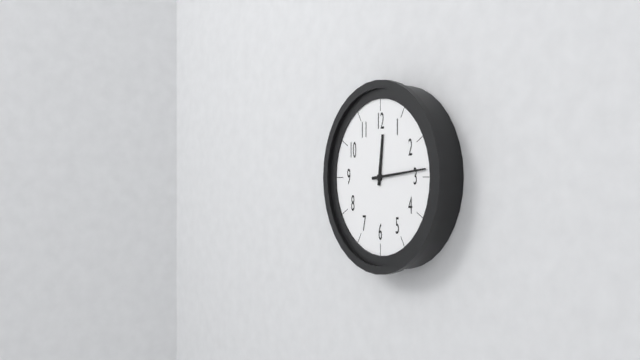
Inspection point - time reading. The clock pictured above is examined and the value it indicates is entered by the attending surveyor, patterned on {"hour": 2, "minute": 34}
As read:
{"hour": 12, "minute": 14}
